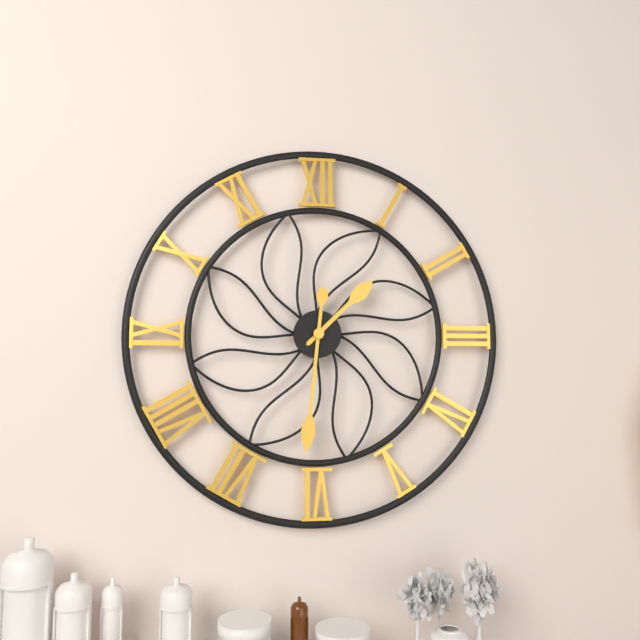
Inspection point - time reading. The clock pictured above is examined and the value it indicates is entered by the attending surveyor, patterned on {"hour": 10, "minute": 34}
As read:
{"hour": 1, "minute": 31}
